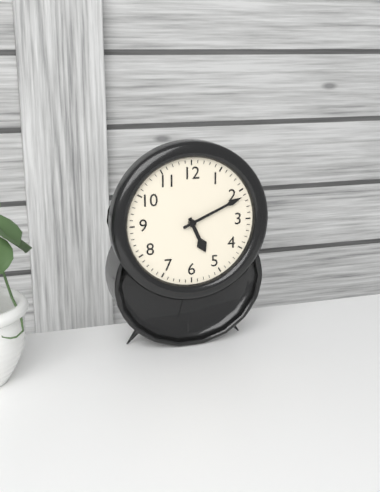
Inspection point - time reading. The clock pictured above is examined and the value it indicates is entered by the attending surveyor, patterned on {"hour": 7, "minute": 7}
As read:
{"hour": 5, "minute": 11}
